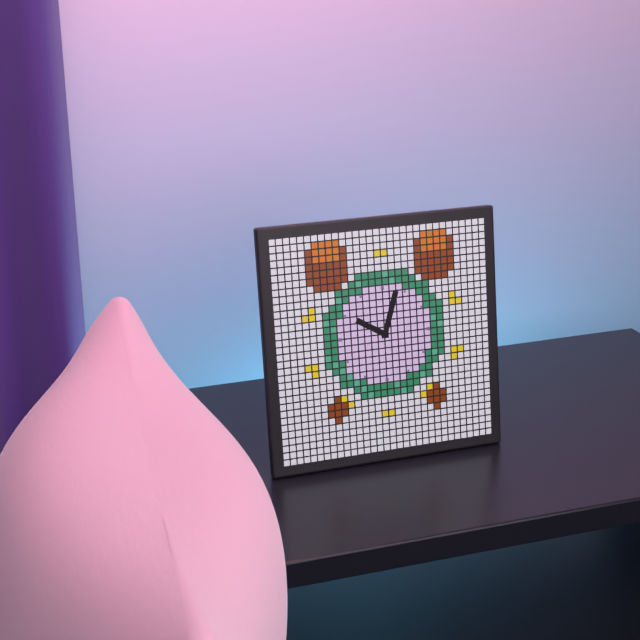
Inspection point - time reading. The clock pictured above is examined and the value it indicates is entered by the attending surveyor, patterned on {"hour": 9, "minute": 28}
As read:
{"hour": 10, "minute": 3}
